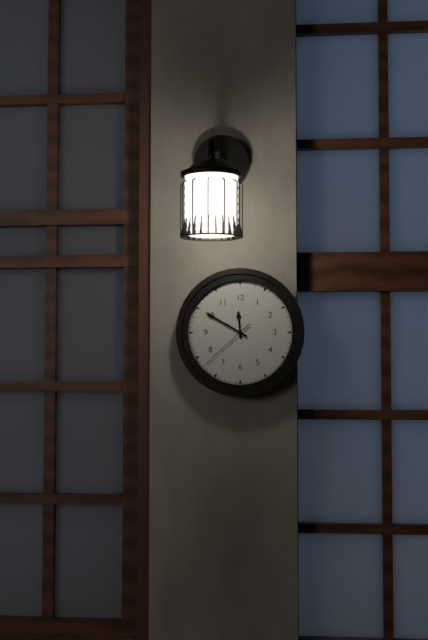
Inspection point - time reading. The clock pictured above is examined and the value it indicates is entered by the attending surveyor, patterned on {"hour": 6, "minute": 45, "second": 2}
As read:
{"hour": 11, "minute": 50, "second": 38}
